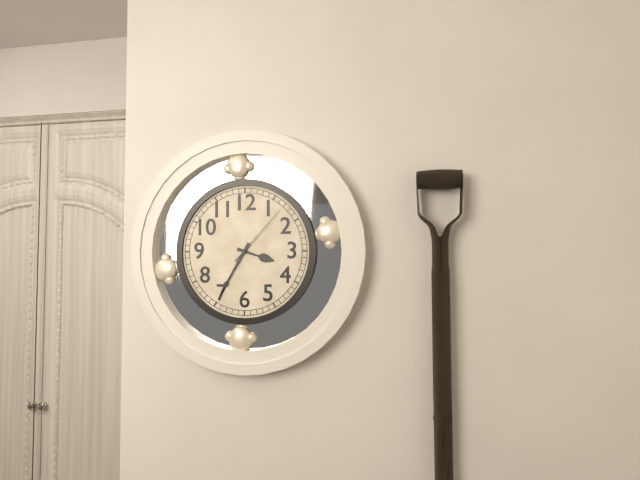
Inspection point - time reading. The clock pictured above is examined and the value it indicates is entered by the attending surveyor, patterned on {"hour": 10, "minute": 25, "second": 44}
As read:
{"hour": 3, "minute": 35, "second": 7}
